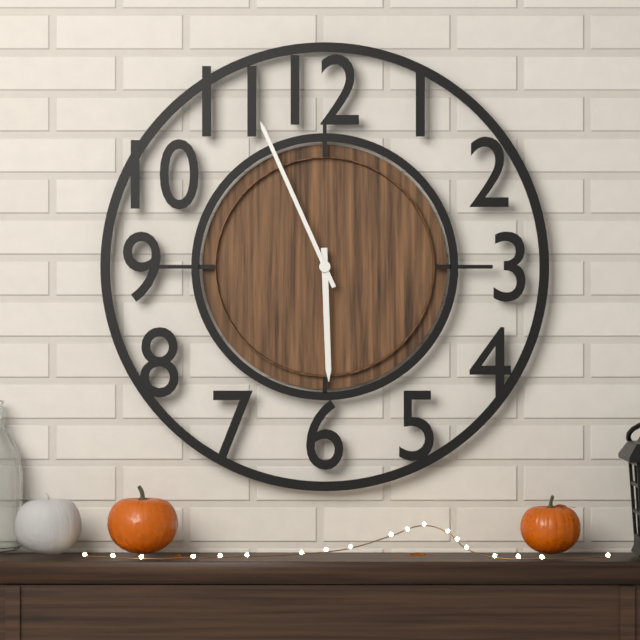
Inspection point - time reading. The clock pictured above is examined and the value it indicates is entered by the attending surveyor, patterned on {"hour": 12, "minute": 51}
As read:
{"hour": 5, "minute": 56}
